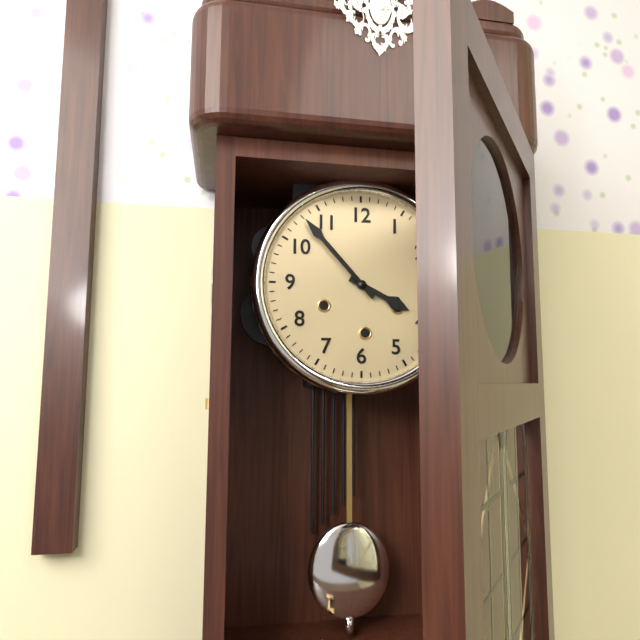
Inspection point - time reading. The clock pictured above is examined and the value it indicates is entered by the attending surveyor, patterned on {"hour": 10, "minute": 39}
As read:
{"hour": 3, "minute": 53}
